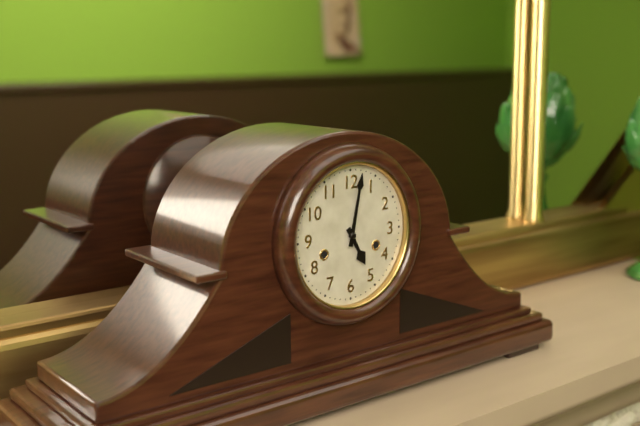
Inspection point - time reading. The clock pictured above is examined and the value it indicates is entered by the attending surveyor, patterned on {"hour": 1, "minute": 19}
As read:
{"hour": 5, "minute": 2}
